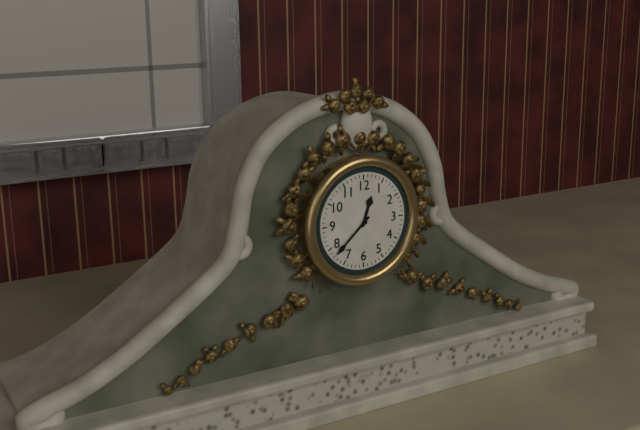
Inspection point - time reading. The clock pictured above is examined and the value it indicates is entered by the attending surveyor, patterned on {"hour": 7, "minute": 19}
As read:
{"hour": 12, "minute": 38}
